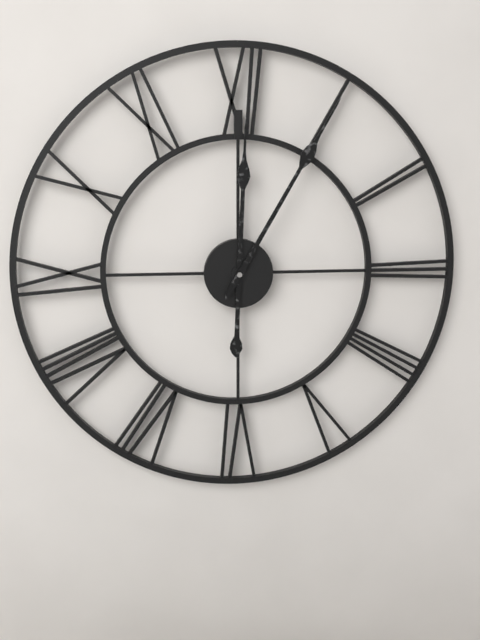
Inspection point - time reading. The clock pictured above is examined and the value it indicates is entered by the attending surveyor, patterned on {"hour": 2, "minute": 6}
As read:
{"hour": 12, "minute": 5}
